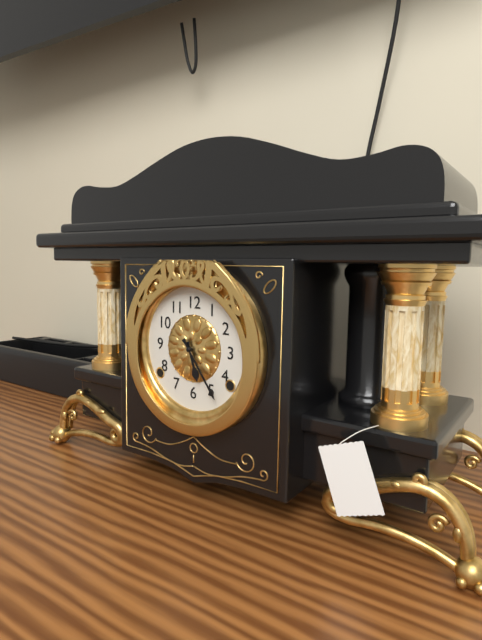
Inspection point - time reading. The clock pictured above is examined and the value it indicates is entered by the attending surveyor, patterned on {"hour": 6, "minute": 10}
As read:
{"hour": 5, "minute": 24}
